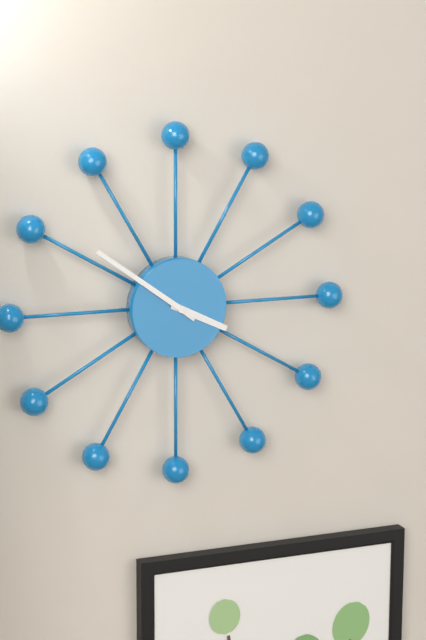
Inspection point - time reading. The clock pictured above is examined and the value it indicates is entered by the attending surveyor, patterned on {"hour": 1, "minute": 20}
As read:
{"hour": 3, "minute": 51}
